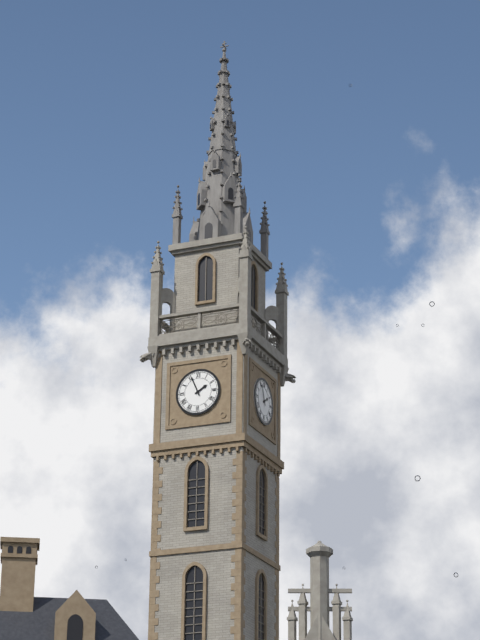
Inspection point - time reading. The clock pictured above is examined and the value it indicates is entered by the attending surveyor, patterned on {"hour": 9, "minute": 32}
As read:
{"hour": 1, "minute": 56}
